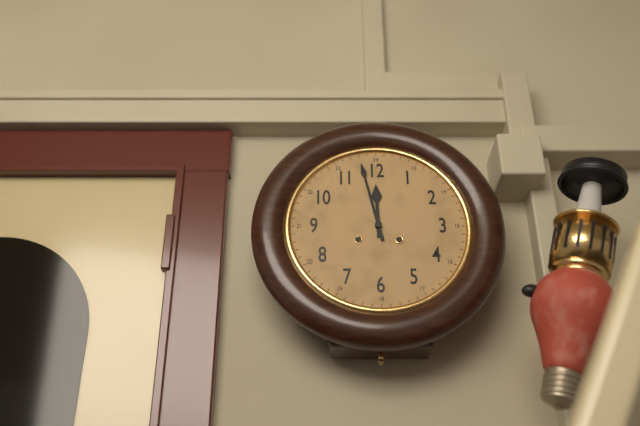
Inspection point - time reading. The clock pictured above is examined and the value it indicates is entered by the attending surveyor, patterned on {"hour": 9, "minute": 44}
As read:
{"hour": 11, "minute": 58}
